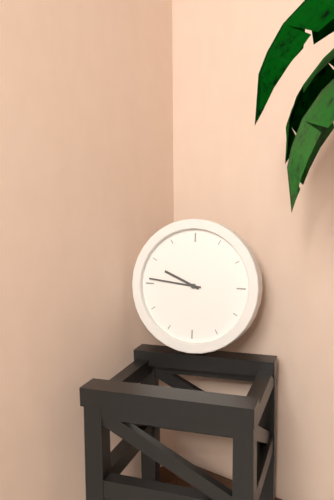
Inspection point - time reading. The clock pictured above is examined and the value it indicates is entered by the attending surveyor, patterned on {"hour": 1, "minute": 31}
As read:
{"hour": 9, "minute": 46}
